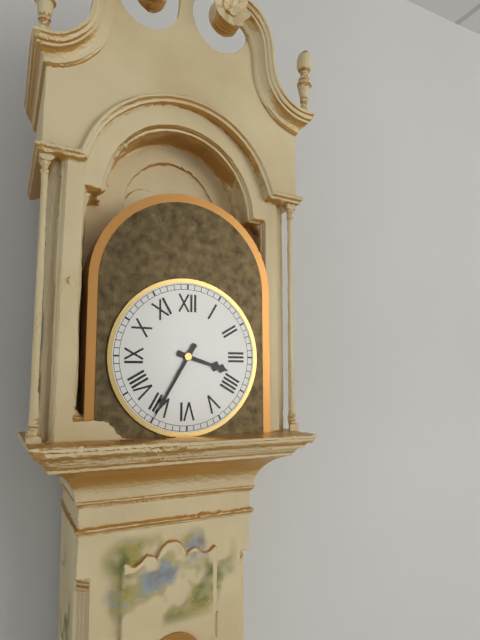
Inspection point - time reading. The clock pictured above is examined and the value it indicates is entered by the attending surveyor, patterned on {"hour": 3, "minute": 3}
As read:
{"hour": 3, "minute": 35}
